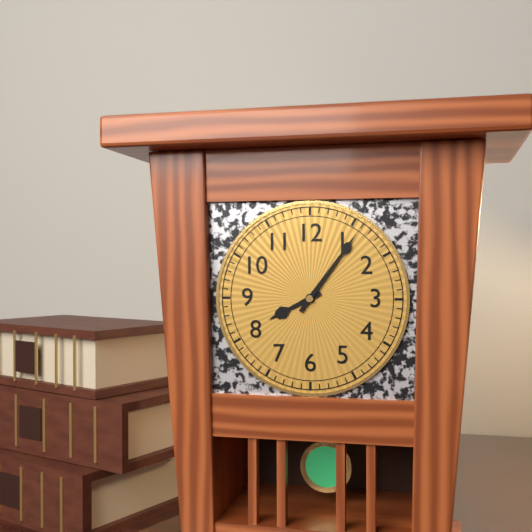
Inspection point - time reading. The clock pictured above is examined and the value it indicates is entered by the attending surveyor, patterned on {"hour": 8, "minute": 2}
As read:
{"hour": 8, "minute": 6}
